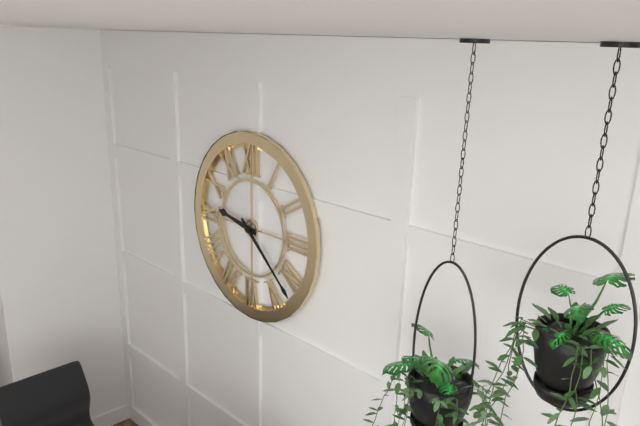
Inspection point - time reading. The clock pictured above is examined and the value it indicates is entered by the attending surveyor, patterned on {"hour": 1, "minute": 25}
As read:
{"hour": 9, "minute": 22}
